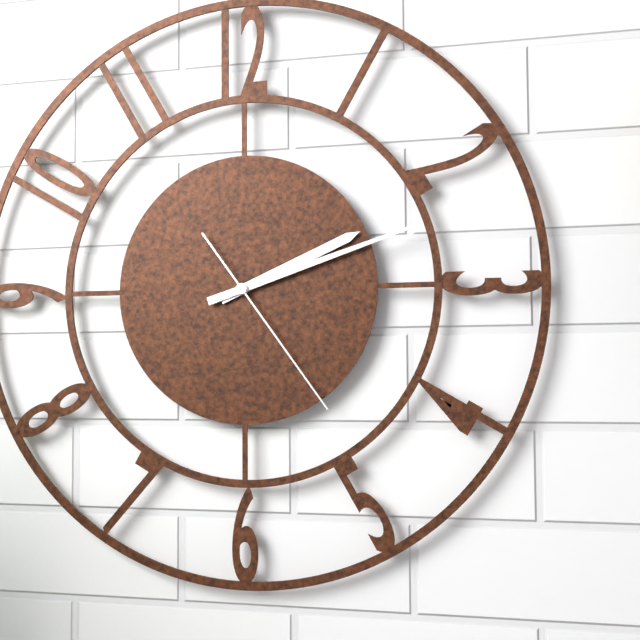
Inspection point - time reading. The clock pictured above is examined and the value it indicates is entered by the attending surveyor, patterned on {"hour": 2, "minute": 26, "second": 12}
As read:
{"hour": 2, "minute": 12, "second": 24}
